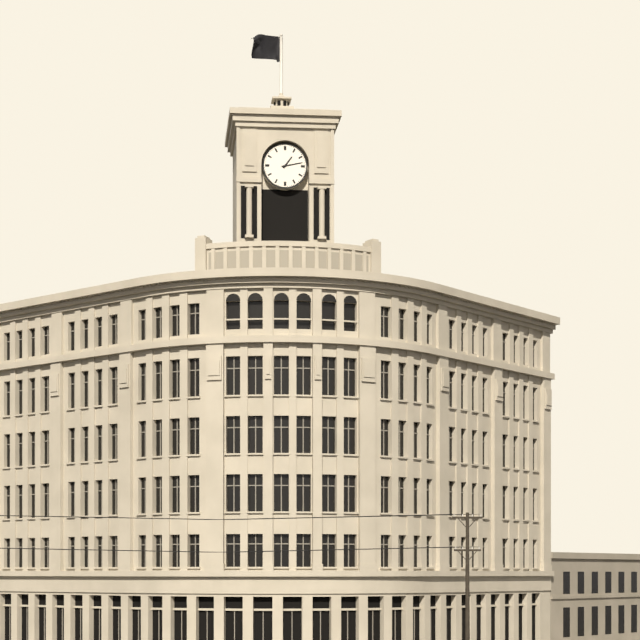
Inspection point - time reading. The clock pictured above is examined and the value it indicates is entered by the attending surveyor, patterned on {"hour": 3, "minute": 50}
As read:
{"hour": 1, "minute": 13}
